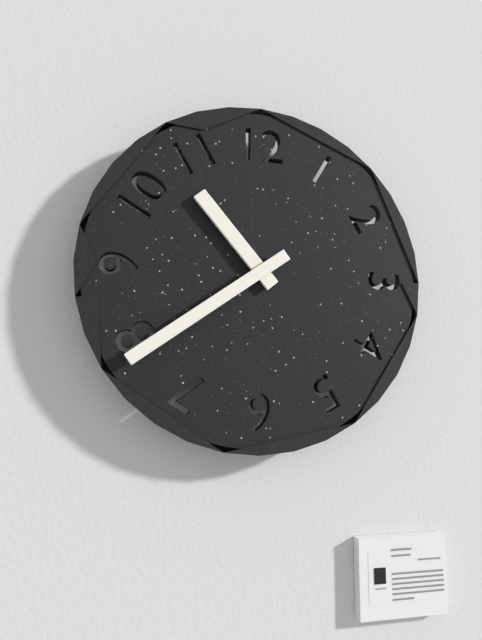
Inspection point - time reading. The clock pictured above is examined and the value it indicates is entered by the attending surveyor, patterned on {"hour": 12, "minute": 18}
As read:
{"hour": 10, "minute": 39}
